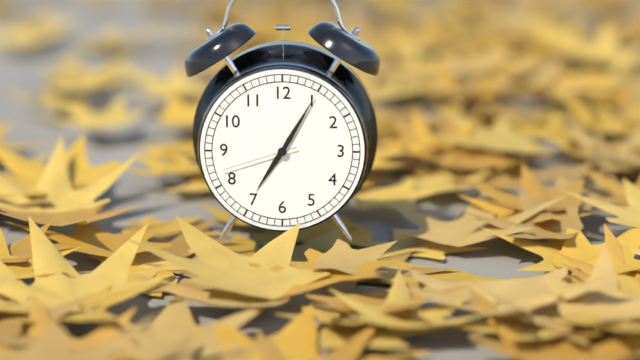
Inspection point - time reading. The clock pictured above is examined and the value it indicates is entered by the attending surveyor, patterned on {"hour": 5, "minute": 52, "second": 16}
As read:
{"hour": 7, "minute": 5, "second": 42}
